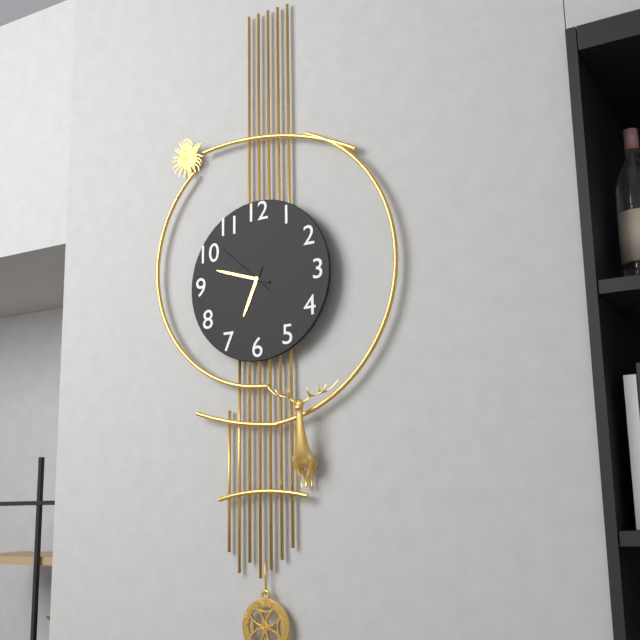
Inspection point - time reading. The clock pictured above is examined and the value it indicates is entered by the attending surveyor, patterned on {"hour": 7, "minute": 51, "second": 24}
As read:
{"hour": 6, "minute": 48, "second": 52}
